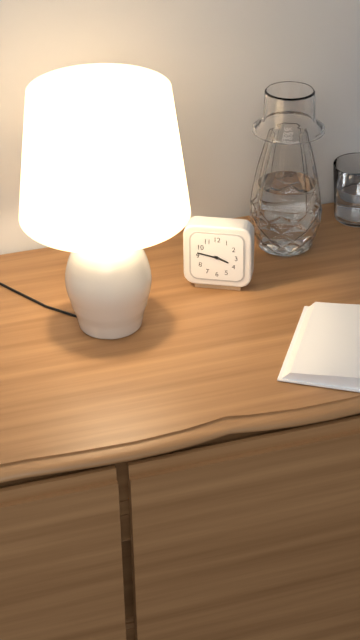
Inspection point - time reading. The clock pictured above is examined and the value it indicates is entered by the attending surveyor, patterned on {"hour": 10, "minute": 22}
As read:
{"hour": 3, "minute": 47}
